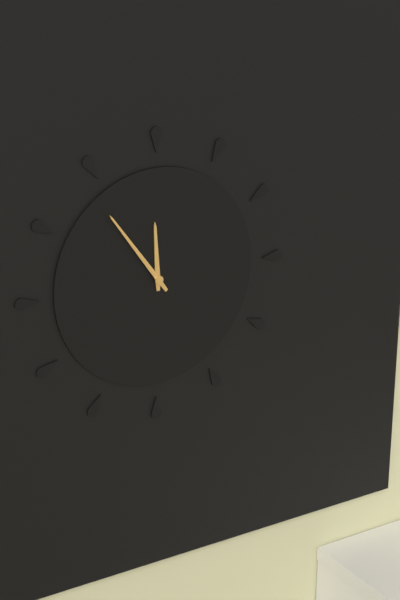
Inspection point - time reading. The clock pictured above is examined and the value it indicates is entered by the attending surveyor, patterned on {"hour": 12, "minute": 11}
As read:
{"hour": 11, "minute": 54}
